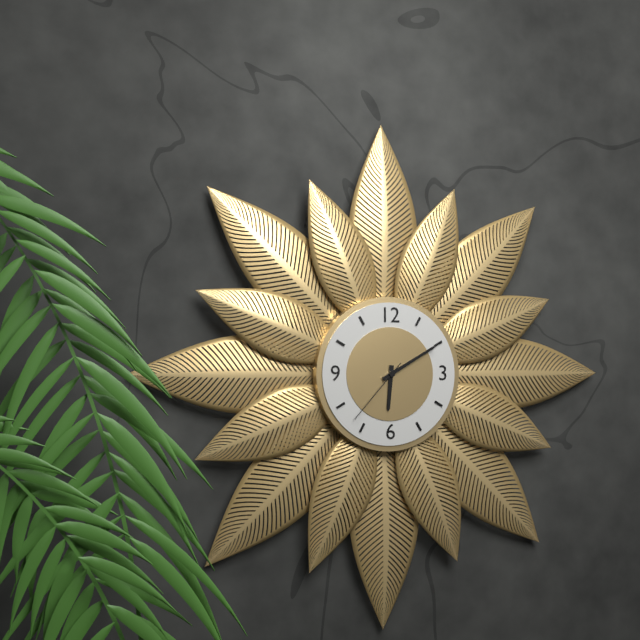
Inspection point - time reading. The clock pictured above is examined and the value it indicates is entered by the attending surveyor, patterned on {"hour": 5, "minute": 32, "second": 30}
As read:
{"hour": 6, "minute": 10, "second": 37}
